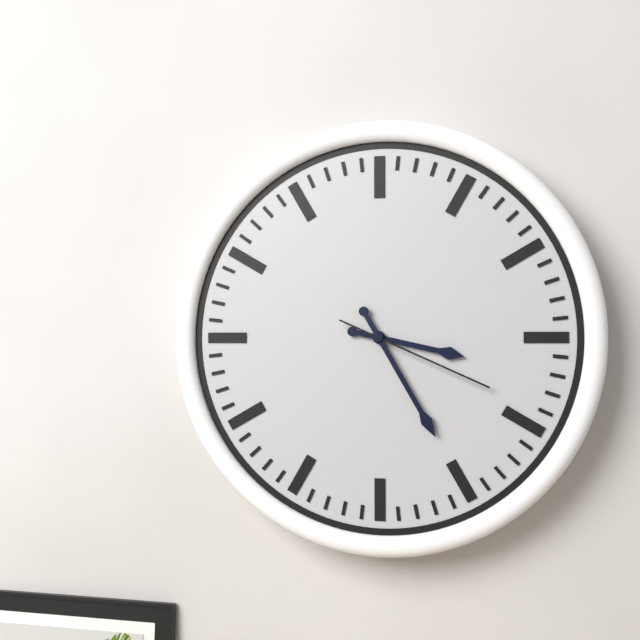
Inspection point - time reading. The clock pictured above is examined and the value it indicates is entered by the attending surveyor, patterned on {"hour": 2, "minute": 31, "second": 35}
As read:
{"hour": 3, "minute": 25, "second": 19}
